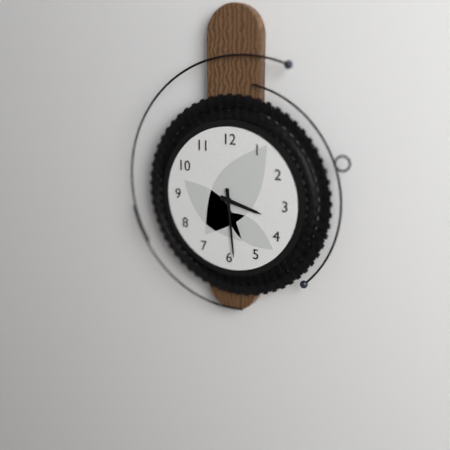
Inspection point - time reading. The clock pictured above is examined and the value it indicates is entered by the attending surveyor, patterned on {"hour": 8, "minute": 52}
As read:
{"hour": 3, "minute": 29}
